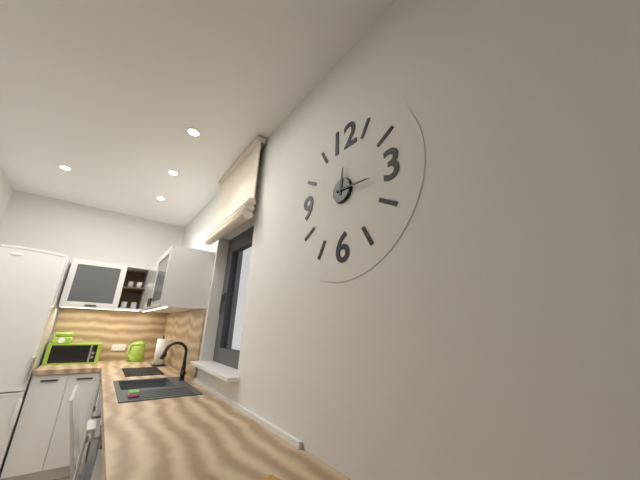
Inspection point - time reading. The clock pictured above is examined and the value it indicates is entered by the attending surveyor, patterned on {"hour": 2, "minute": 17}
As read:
{"hour": 12, "minute": 16}
